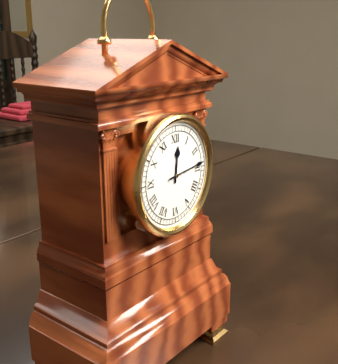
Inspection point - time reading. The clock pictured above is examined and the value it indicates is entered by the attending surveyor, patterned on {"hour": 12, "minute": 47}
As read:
{"hour": 12, "minute": 14}
